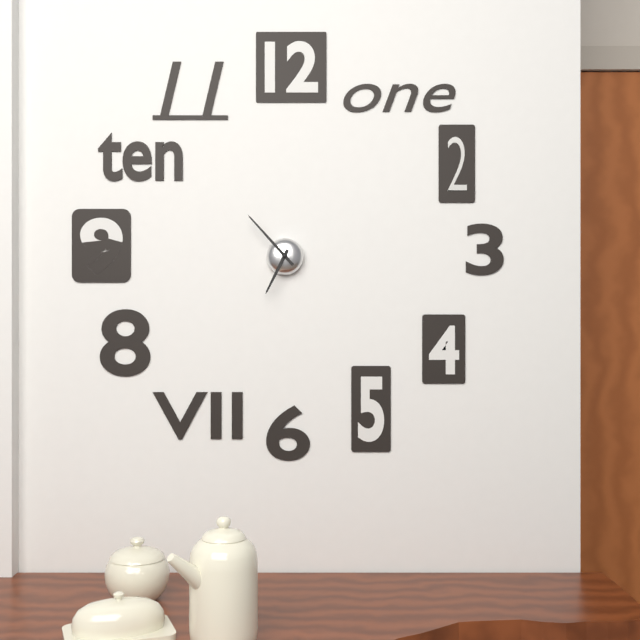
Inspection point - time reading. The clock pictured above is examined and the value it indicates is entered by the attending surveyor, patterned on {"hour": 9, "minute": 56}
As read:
{"hour": 6, "minute": 53}
